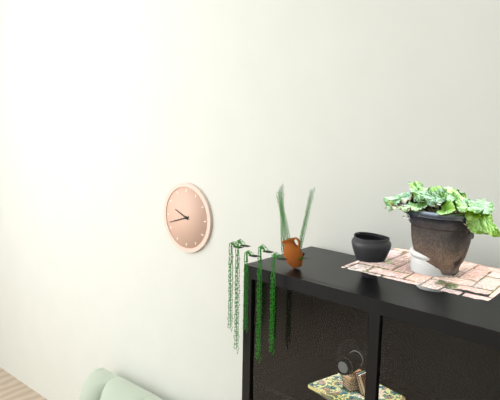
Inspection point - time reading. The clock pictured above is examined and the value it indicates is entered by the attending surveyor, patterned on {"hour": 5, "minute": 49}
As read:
{"hour": 9, "minute": 42}
